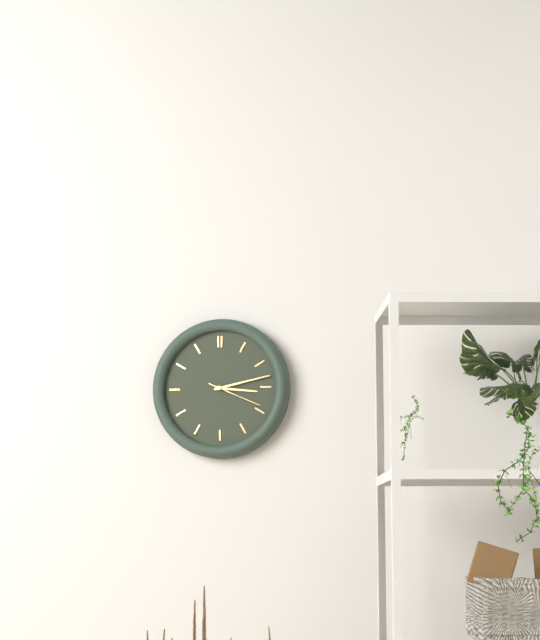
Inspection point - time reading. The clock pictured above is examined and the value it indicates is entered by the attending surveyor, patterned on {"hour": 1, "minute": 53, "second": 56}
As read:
{"hour": 3, "minute": 13, "second": 19}
